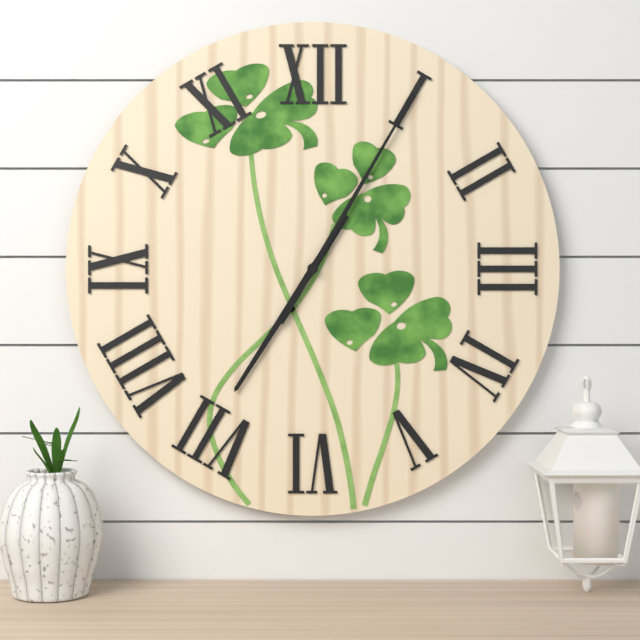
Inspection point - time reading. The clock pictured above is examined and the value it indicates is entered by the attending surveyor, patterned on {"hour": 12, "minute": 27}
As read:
{"hour": 7, "minute": 5}
